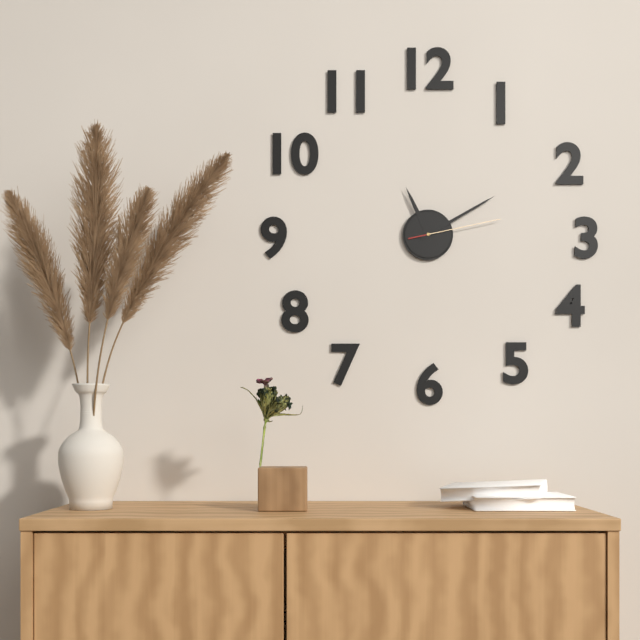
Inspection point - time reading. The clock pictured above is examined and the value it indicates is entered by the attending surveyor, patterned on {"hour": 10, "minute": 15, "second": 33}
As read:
{"hour": 11, "minute": 10, "second": 13}
